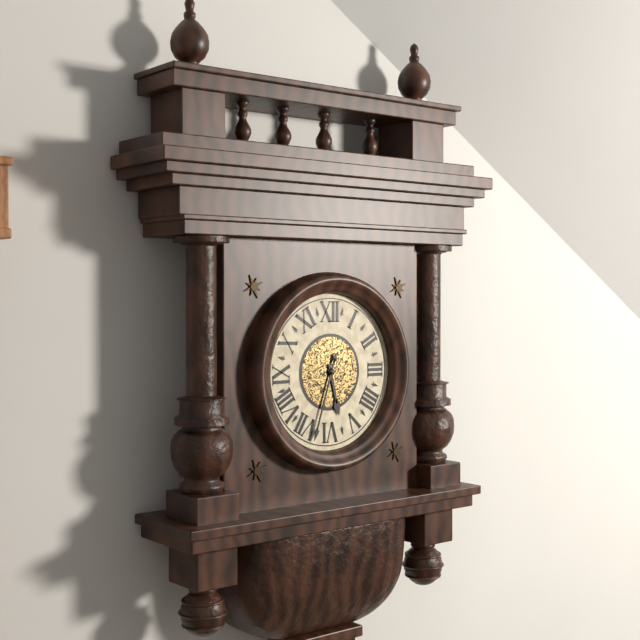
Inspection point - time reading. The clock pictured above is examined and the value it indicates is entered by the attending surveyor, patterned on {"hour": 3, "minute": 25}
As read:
{"hour": 5, "minute": 33}
